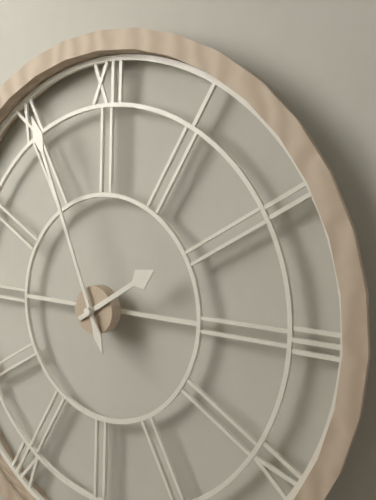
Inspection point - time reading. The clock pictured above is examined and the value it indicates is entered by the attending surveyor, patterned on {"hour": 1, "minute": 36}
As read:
{"hour": 1, "minute": 56}
